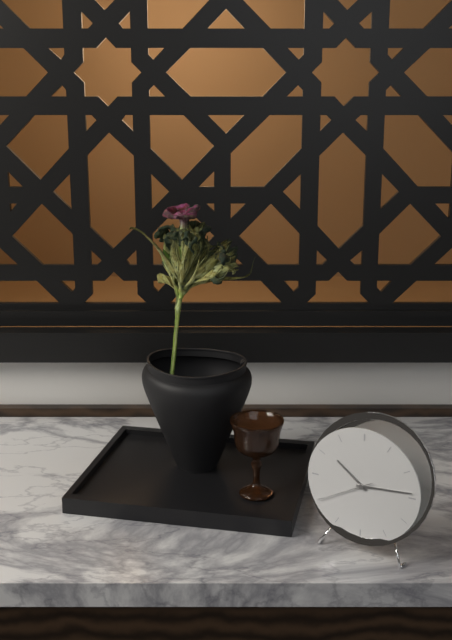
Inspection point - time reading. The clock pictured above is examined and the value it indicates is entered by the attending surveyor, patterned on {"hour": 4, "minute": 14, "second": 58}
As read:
{"hour": 10, "minute": 14, "second": 40}
